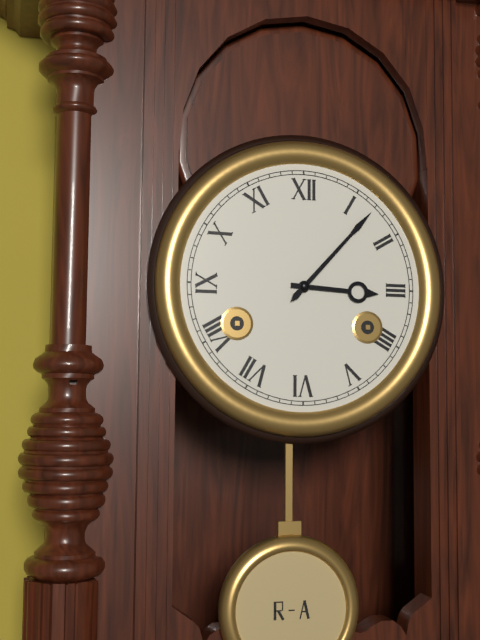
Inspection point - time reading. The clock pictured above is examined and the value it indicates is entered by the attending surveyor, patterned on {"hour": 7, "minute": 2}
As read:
{"hour": 3, "minute": 7}
